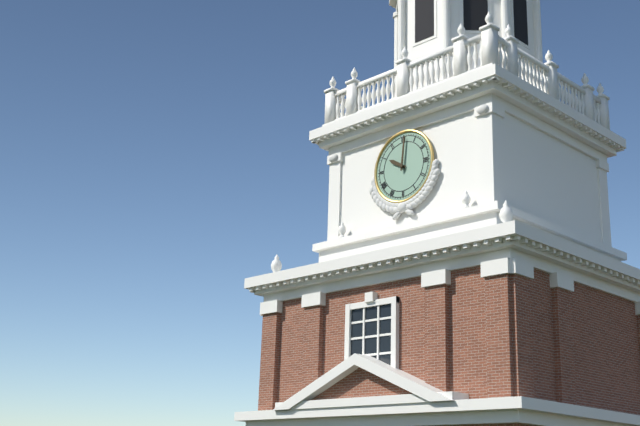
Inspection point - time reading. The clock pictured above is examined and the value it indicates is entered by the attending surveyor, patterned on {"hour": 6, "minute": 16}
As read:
{"hour": 10, "minute": 1}
